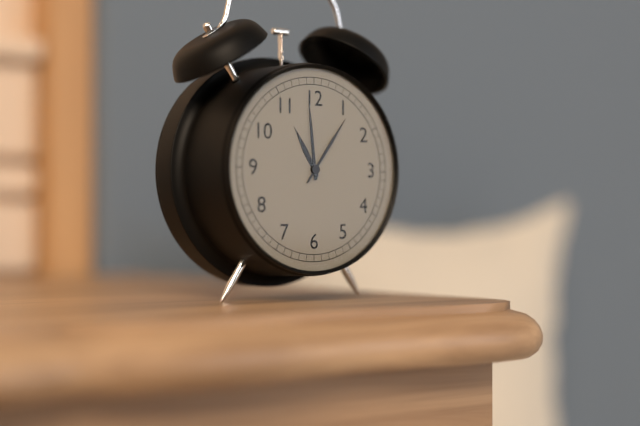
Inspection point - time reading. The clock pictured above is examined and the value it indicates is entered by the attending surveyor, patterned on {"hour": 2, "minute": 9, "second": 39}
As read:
{"hour": 10, "minute": 59, "second": 6}
